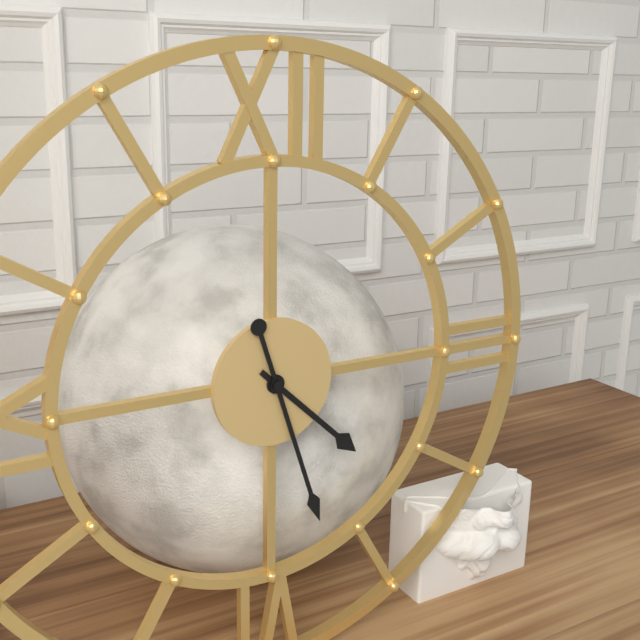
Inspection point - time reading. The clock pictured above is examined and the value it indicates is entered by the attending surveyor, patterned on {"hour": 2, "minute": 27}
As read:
{"hour": 4, "minute": 27}
